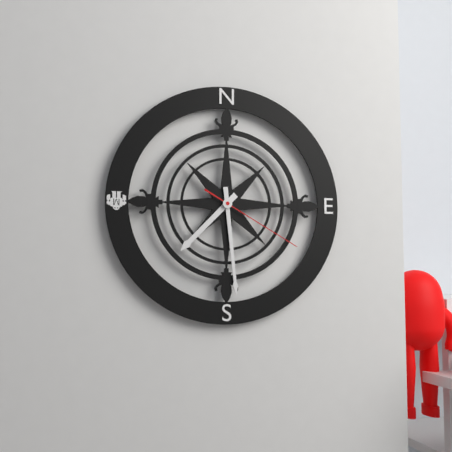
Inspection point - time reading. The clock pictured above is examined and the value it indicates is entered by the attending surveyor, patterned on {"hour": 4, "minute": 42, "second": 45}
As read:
{"hour": 7, "minute": 29, "second": 20}
